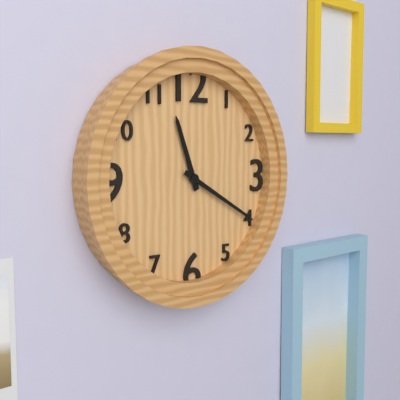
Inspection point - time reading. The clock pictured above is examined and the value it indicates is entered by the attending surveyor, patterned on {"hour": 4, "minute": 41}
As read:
{"hour": 11, "minute": 20}
